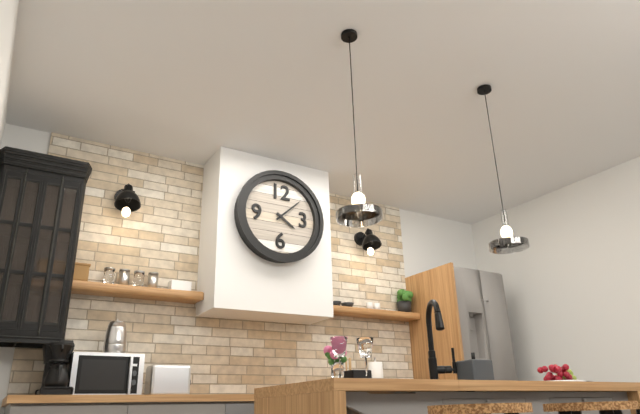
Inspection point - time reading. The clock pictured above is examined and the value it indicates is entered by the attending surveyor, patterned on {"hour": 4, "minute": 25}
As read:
{"hour": 4, "minute": 8}
